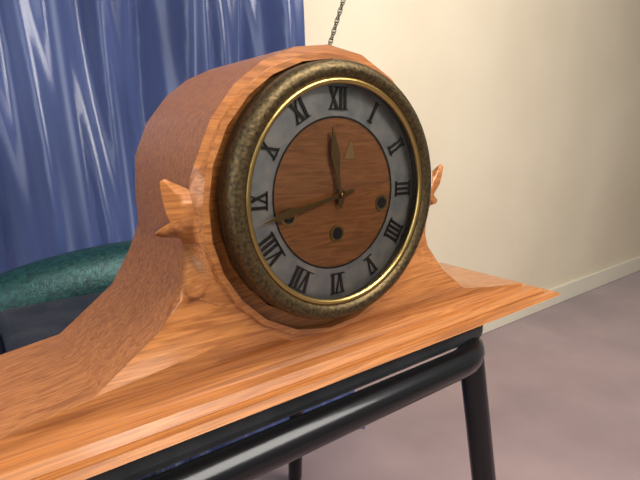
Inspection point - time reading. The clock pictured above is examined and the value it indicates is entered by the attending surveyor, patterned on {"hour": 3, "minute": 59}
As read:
{"hour": 11, "minute": 43}
